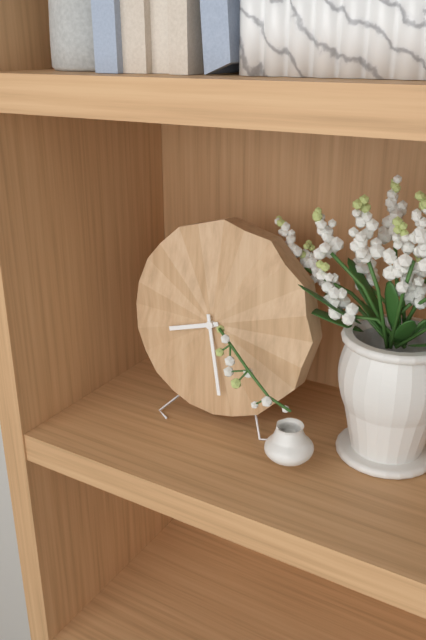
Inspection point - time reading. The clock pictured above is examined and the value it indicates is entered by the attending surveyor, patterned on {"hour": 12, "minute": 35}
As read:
{"hour": 8, "minute": 28}
